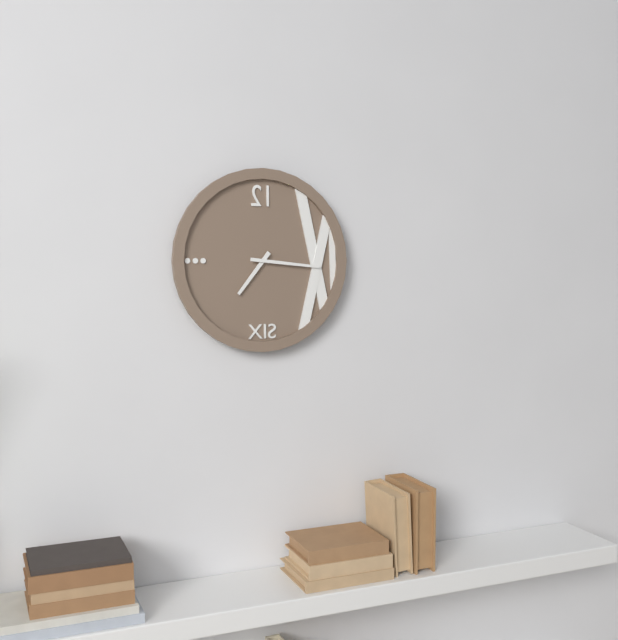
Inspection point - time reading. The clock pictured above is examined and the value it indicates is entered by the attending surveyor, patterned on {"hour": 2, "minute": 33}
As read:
{"hour": 7, "minute": 16}
